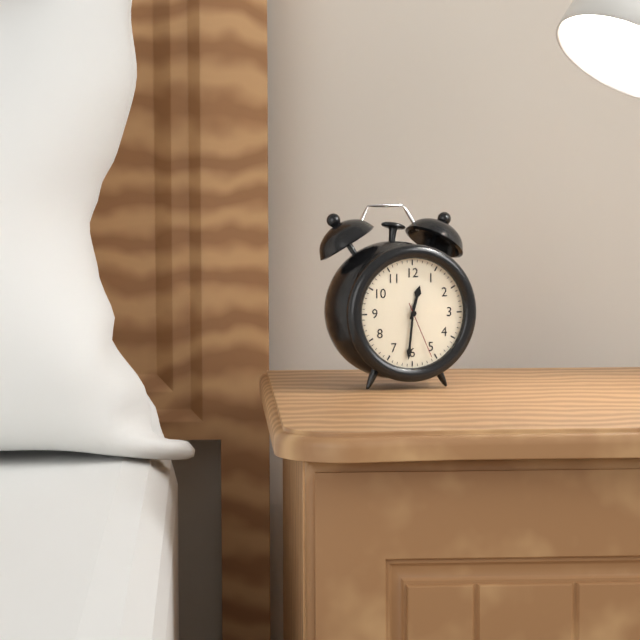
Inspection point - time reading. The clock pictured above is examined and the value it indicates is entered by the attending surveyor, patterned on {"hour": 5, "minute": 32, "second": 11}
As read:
{"hour": 12, "minute": 31, "second": 26}
